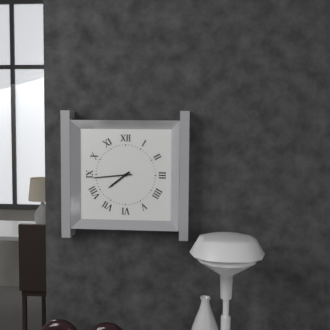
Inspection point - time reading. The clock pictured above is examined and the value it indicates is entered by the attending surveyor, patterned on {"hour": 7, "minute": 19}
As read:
{"hour": 7, "minute": 44}
